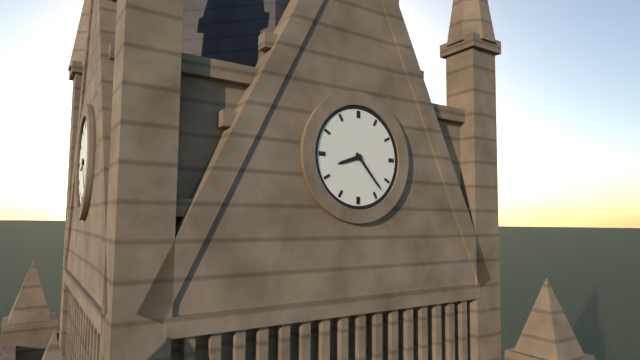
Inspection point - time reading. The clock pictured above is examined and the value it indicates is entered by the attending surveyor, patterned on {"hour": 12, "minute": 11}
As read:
{"hour": 8, "minute": 23}
